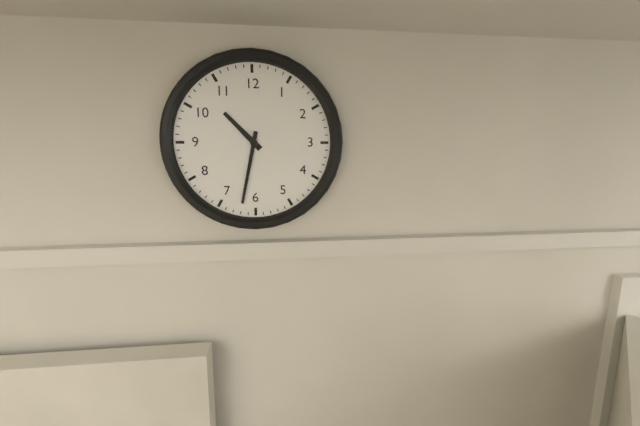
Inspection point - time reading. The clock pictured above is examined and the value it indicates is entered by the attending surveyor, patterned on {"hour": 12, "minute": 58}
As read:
{"hour": 10, "minute": 32}
